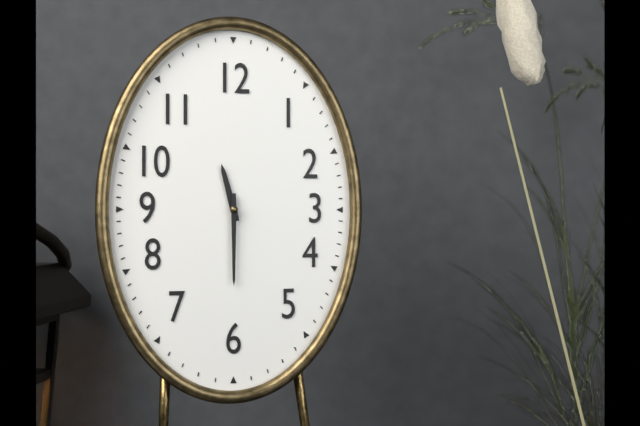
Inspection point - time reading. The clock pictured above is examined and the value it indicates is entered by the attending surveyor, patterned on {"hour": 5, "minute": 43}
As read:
{"hour": 11, "minute": 30}
